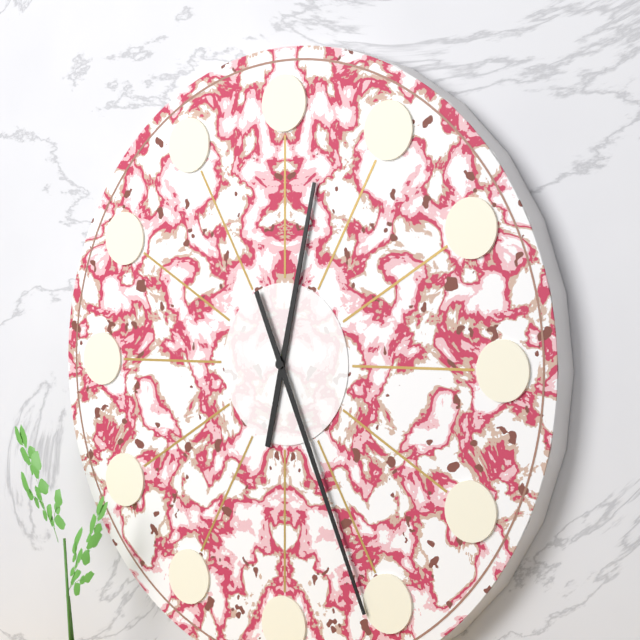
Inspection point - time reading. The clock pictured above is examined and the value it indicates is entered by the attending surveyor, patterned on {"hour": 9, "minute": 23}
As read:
{"hour": 12, "minute": 26}
